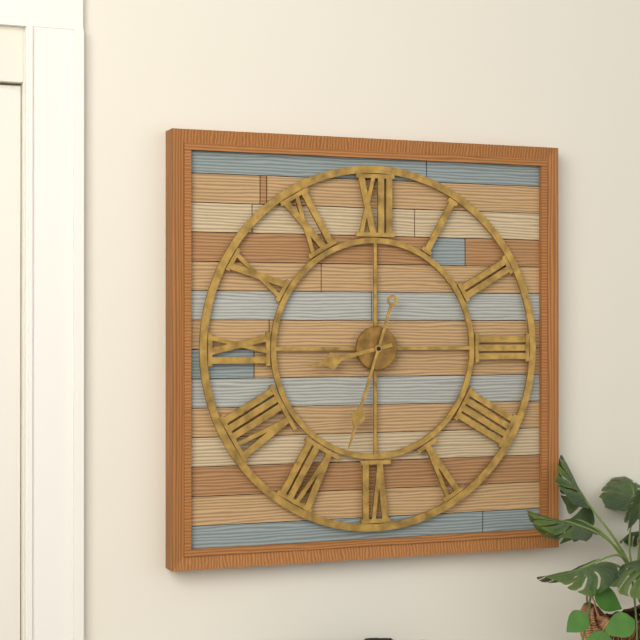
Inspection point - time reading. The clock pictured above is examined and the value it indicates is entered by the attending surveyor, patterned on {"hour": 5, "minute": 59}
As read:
{"hour": 8, "minute": 33}
